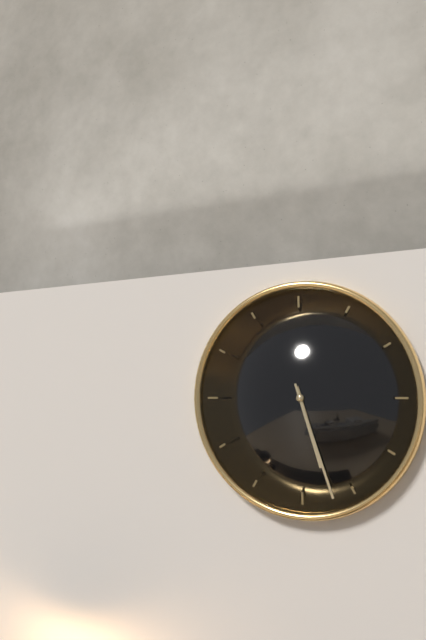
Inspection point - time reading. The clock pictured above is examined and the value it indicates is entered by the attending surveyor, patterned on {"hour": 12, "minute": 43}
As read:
{"hour": 5, "minute": 27}
